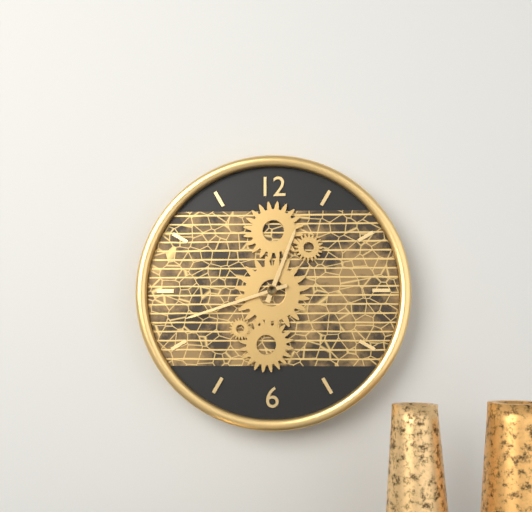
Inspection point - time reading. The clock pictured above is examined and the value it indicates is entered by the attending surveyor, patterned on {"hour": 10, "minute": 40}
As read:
{"hour": 12, "minute": 42}
